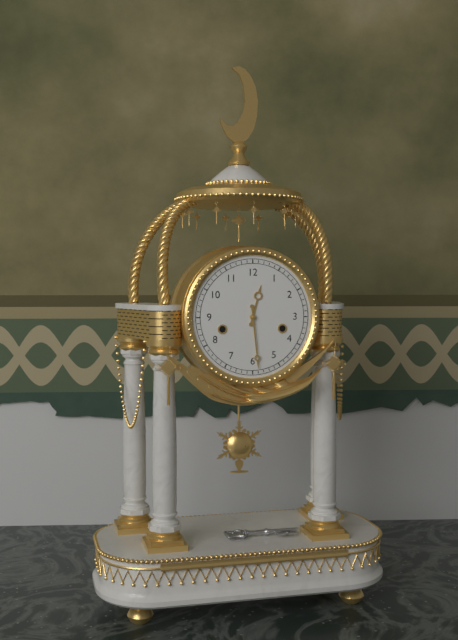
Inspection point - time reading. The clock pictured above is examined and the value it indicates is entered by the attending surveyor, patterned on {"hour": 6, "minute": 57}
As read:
{"hour": 12, "minute": 29}
